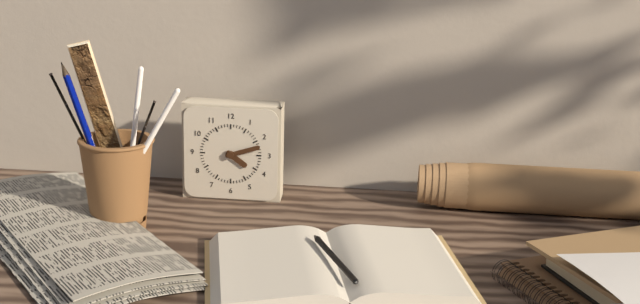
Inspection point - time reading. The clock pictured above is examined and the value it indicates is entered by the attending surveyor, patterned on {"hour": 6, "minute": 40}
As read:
{"hour": 4, "minute": 12}
